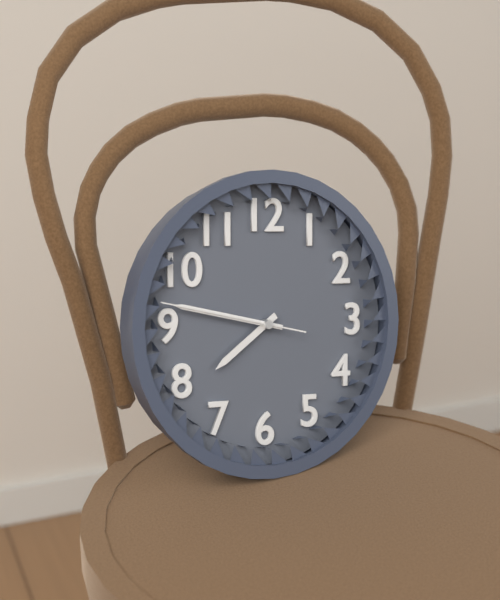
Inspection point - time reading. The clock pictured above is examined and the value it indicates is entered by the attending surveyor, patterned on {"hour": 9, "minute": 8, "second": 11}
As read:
{"hour": 7, "minute": 47, "second": 47}
